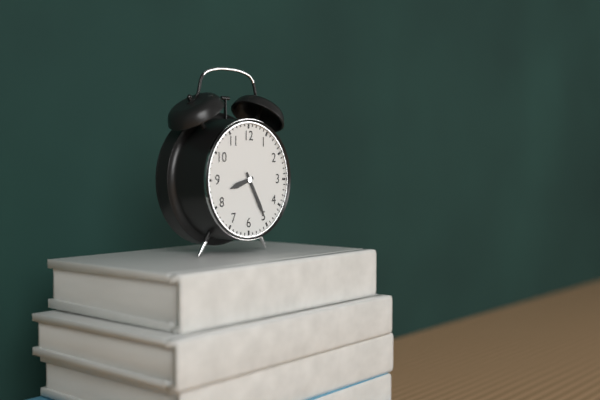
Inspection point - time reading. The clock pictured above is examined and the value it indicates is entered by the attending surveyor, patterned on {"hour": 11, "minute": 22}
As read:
{"hour": 8, "minute": 25}
